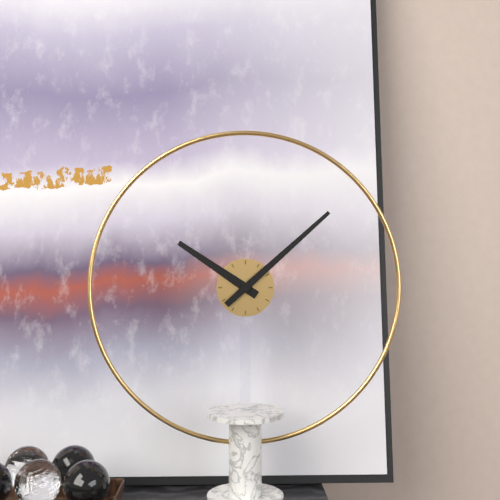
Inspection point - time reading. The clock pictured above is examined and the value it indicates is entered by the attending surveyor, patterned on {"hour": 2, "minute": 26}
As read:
{"hour": 10, "minute": 8}
